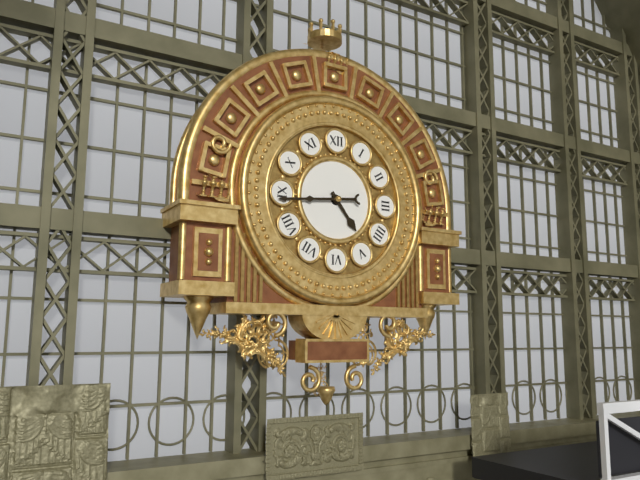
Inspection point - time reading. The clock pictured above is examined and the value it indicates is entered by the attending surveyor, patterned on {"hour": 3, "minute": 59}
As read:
{"hour": 4, "minute": 44}
